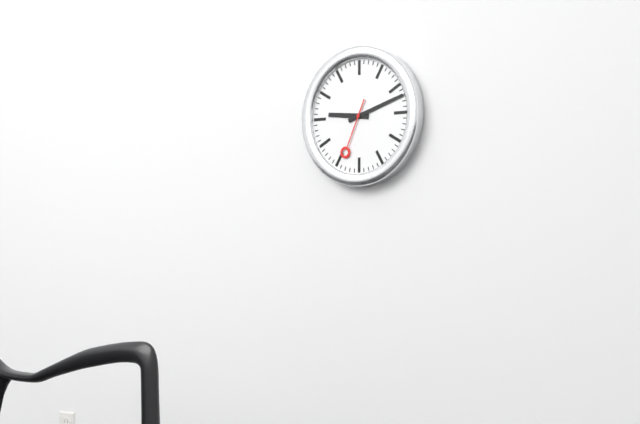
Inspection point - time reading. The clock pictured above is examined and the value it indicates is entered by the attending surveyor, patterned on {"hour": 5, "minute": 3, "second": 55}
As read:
{"hour": 9, "minute": 12, "second": 34}
